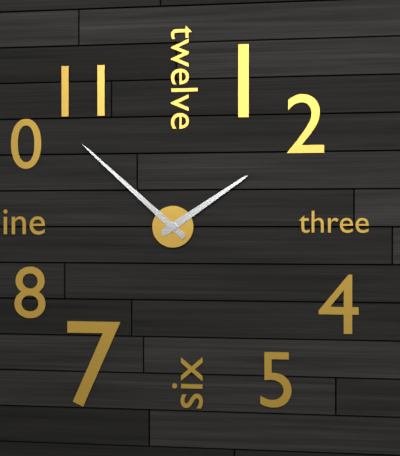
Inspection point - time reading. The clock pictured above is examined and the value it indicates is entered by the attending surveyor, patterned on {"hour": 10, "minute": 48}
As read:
{"hour": 1, "minute": 52}
